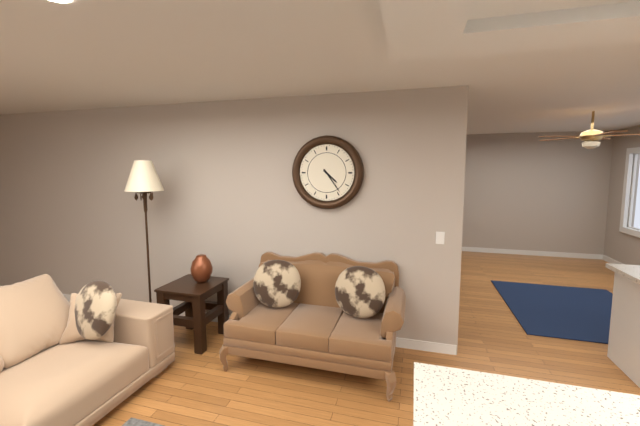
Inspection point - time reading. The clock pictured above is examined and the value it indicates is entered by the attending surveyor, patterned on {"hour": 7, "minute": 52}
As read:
{"hour": 4, "minute": 24}
